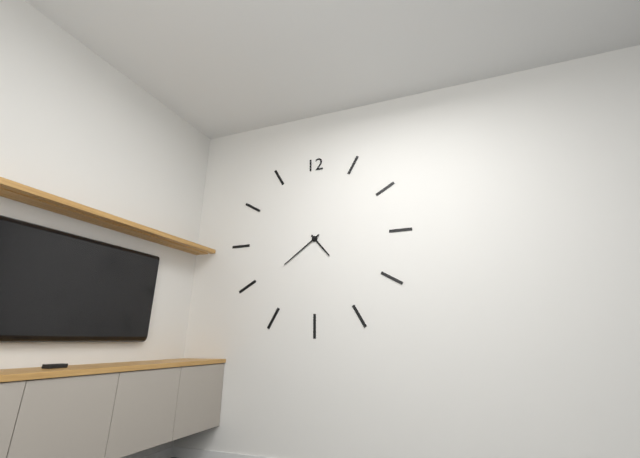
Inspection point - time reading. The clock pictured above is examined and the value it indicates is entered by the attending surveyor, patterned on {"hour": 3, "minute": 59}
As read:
{"hour": 4, "minute": 39}
